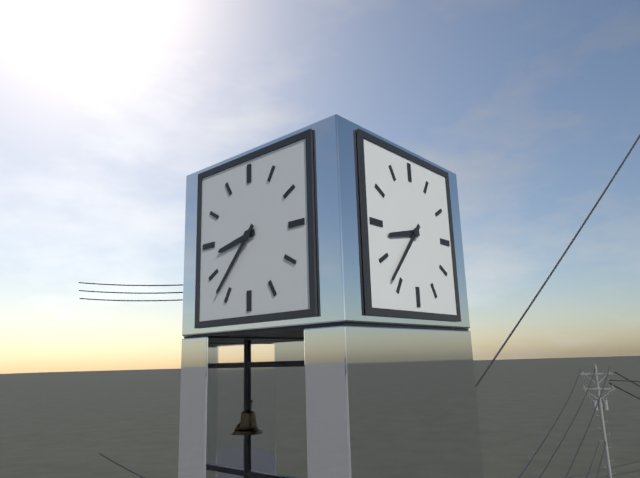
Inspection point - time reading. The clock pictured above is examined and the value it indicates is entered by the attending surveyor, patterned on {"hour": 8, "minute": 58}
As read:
{"hour": 8, "minute": 37}
